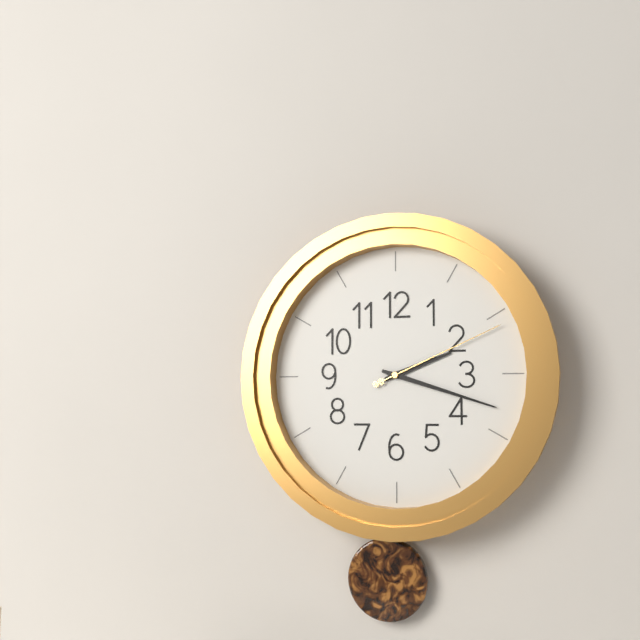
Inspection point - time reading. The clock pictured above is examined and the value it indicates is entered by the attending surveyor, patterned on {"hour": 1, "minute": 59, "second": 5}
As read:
{"hour": 2, "minute": 18, "second": 11}
